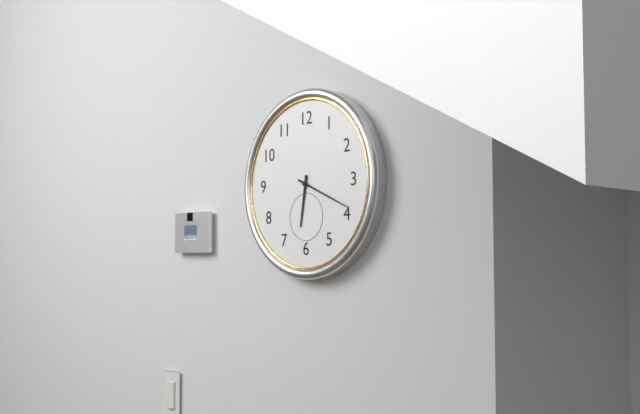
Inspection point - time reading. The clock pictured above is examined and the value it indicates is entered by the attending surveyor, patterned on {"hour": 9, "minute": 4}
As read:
{"hour": 6, "minute": 19}
